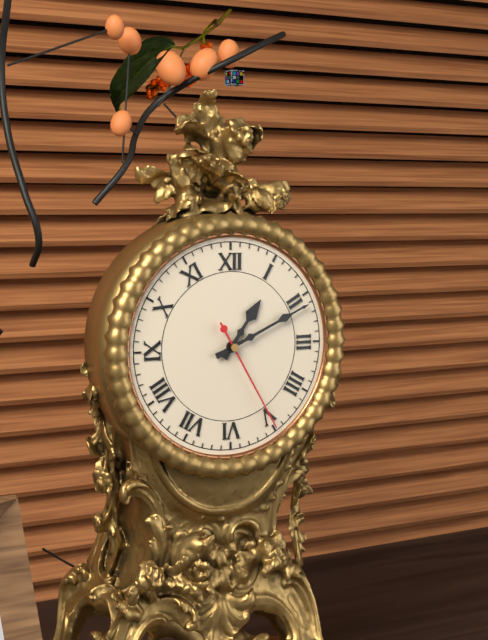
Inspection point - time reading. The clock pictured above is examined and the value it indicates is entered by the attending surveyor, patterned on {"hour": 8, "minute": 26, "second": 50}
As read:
{"hour": 1, "minute": 11, "second": 25}
